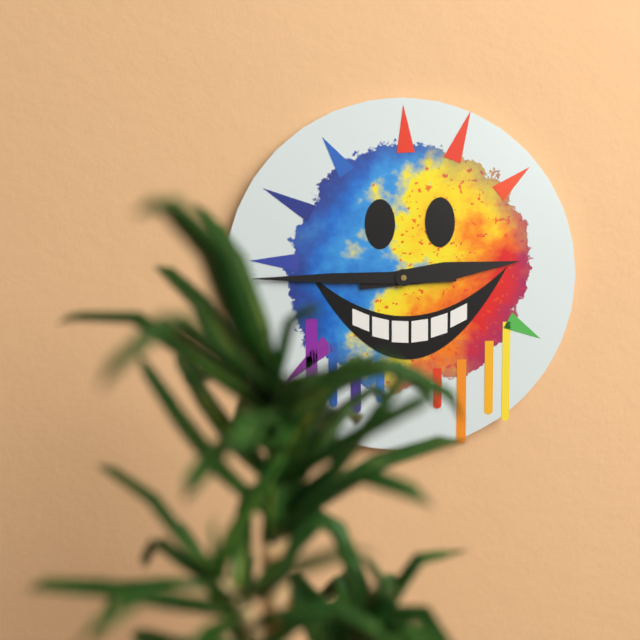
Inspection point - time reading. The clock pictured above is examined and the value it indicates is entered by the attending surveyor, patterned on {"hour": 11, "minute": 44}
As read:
{"hour": 2, "minute": 45}
